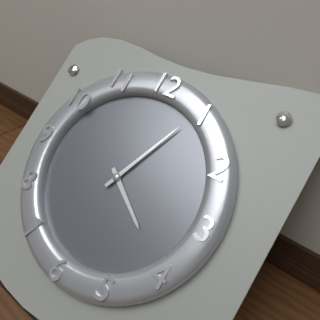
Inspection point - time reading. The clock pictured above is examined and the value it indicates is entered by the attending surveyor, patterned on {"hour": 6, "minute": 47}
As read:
{"hour": 4, "minute": 4}
